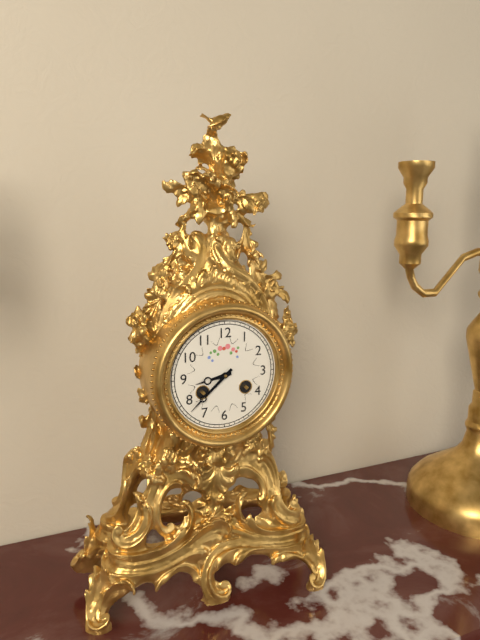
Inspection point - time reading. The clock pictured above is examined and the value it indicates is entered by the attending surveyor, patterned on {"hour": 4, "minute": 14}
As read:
{"hour": 8, "minute": 38}
